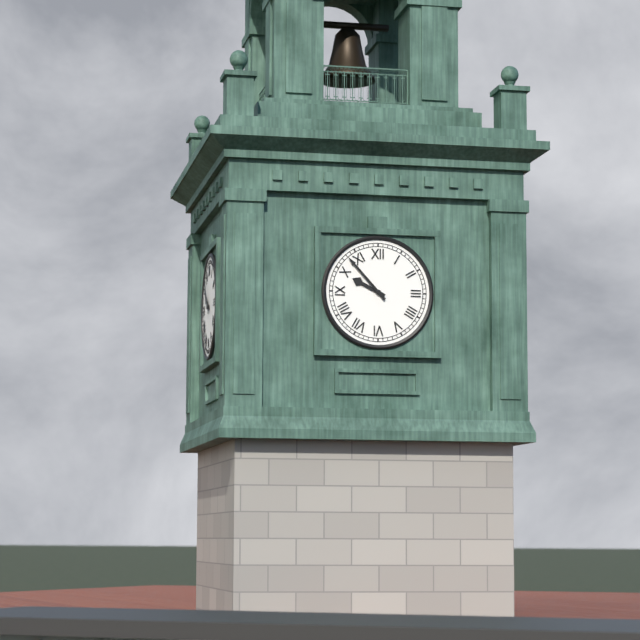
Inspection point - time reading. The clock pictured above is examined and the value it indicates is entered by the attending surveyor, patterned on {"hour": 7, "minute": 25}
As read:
{"hour": 9, "minute": 53}
